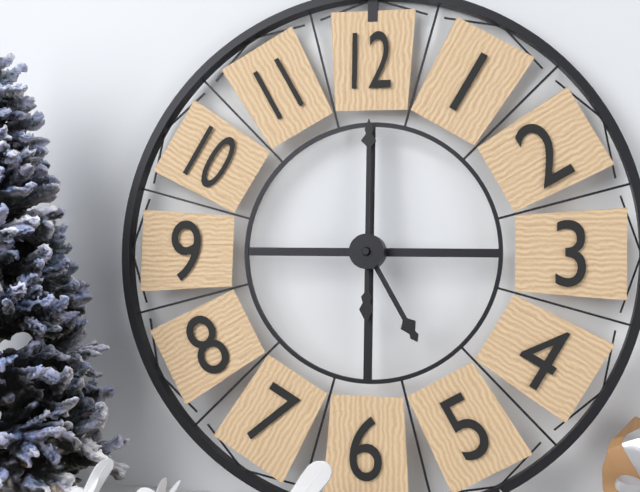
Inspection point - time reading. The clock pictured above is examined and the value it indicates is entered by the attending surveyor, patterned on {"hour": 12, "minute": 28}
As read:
{"hour": 5, "minute": 0}
